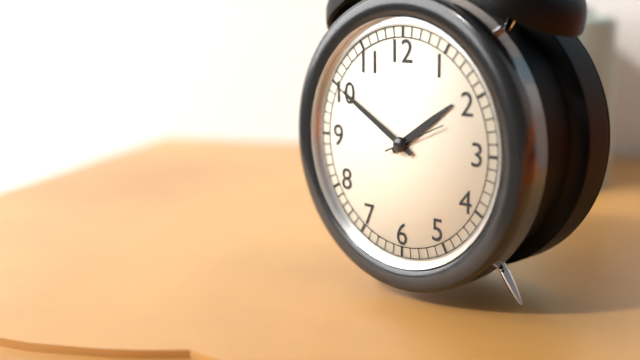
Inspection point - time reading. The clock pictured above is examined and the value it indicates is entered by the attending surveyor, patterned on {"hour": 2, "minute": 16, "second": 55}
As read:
{"hour": 1, "minute": 50, "second": 11}
